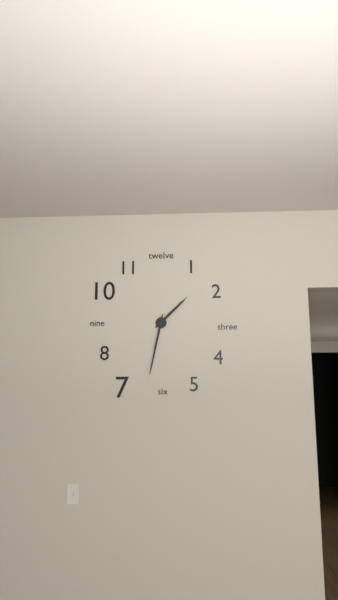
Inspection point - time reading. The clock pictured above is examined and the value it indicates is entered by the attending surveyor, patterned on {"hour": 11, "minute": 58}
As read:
{"hour": 1, "minute": 32}
